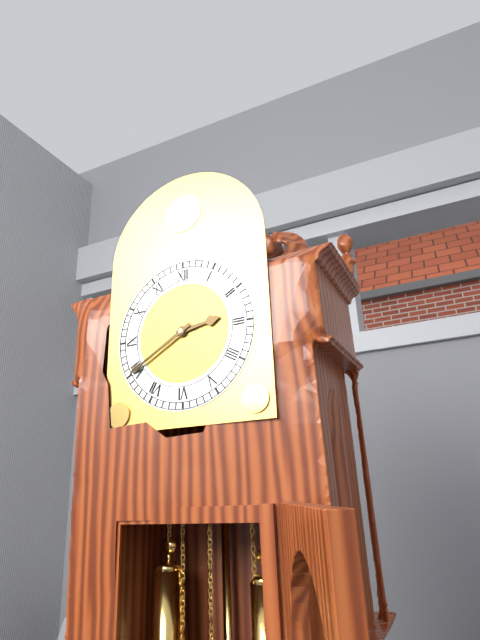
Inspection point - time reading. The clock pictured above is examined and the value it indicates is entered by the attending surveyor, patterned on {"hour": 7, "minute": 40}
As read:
{"hour": 2, "minute": 40}
